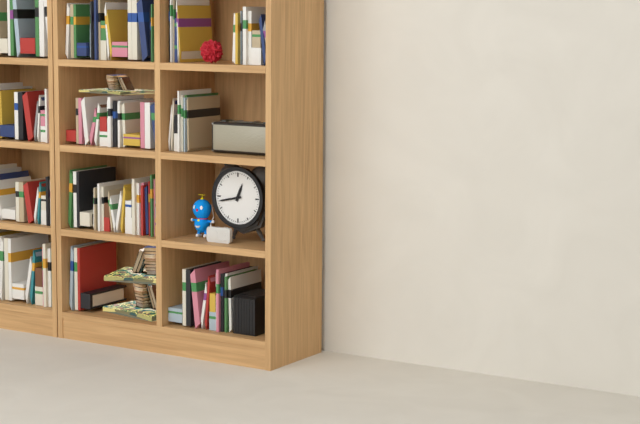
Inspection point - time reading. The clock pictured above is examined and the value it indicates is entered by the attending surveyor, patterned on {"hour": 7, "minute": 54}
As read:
{"hour": 12, "minute": 43}
